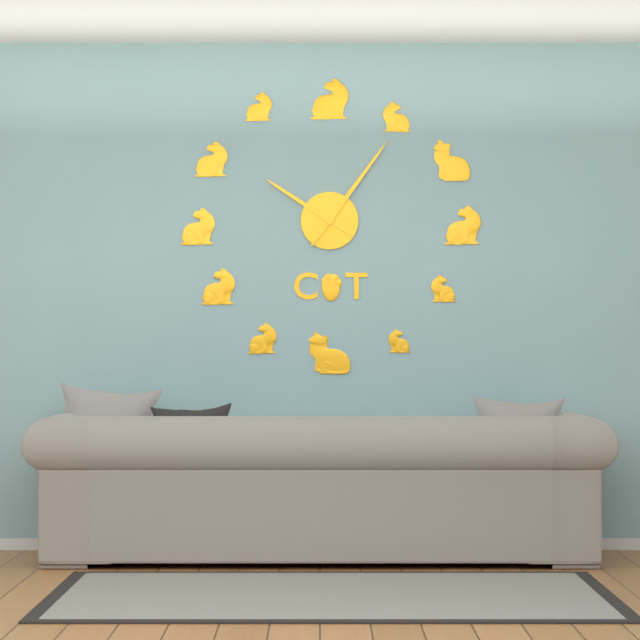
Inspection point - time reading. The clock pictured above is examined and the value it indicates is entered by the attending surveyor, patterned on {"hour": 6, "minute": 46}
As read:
{"hour": 10, "minute": 6}
